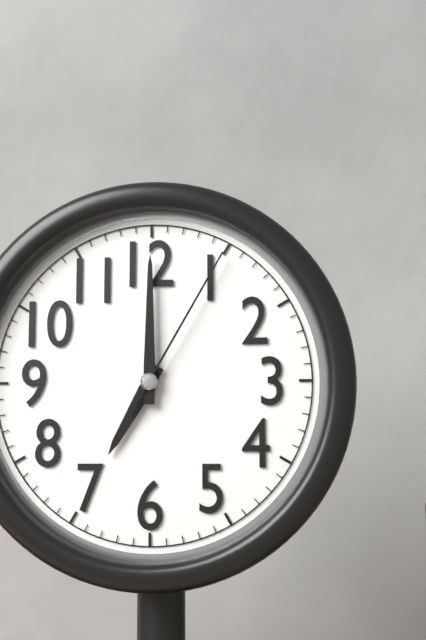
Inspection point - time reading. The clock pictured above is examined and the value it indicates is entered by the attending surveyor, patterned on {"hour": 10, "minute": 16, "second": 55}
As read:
{"hour": 7, "minute": 0, "second": 5}
